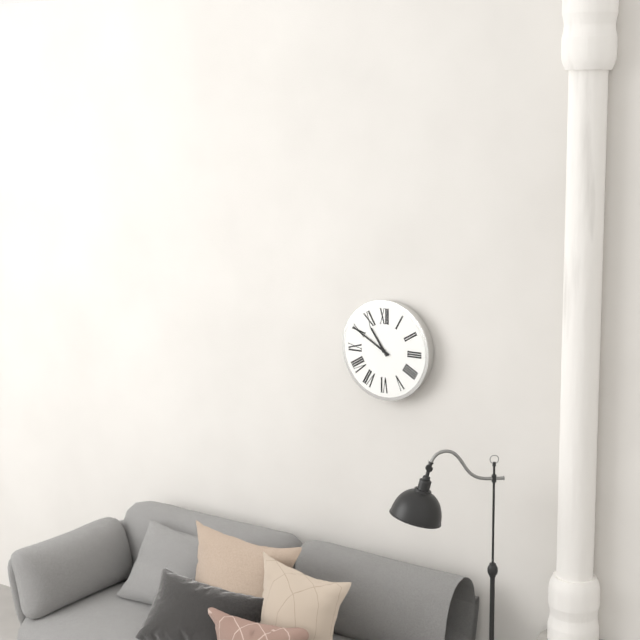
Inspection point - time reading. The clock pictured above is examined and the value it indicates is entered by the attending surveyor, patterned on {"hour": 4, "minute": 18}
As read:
{"hour": 10, "minute": 50}
